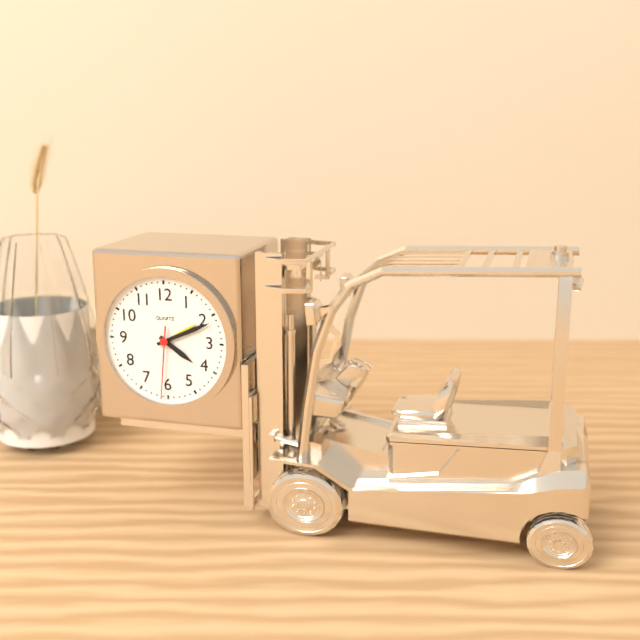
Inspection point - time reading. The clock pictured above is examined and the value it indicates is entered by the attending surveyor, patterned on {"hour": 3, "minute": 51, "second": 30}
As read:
{"hour": 4, "minute": 11, "second": 31}
